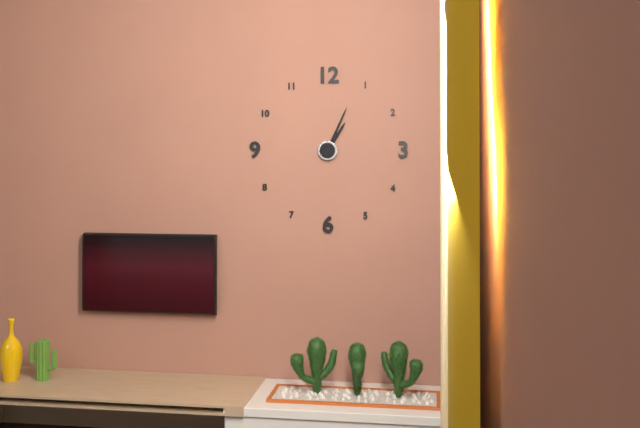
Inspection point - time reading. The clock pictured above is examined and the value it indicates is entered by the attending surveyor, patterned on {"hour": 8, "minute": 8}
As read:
{"hour": 1, "minute": 4}
